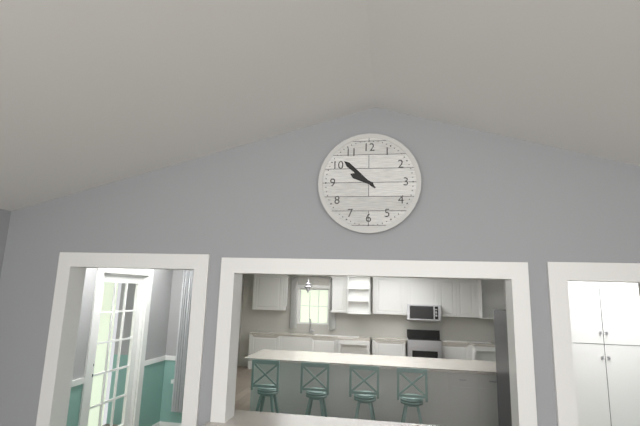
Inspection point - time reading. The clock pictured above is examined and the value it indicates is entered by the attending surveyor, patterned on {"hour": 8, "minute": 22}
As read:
{"hour": 9, "minute": 52}
